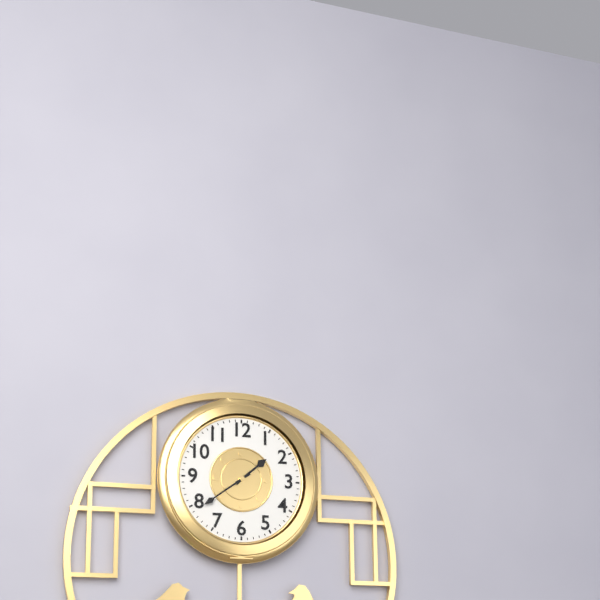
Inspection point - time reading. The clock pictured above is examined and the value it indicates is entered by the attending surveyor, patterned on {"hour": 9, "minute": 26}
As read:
{"hour": 1, "minute": 39}
